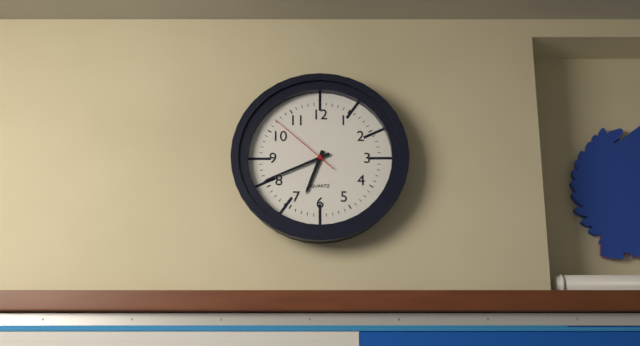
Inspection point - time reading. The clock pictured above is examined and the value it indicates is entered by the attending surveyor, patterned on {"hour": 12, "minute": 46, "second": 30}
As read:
{"hour": 6, "minute": 41, "second": 52}
